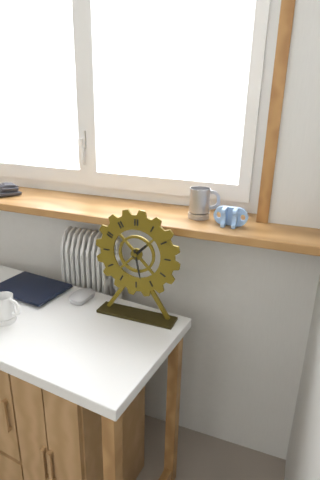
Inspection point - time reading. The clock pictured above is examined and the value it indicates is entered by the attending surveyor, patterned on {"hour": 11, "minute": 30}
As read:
{"hour": 1, "minute": 28}
